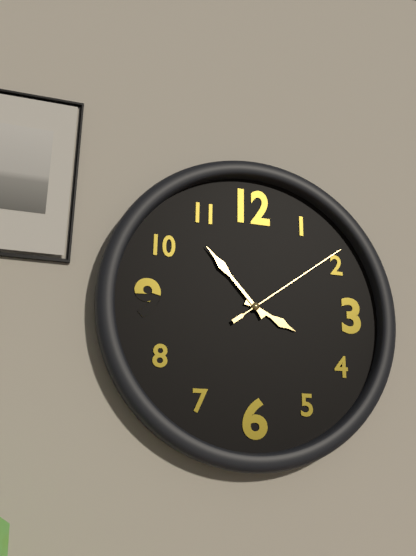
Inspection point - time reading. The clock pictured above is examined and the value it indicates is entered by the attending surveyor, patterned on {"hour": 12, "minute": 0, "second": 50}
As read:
{"hour": 3, "minute": 53, "second": 9}
